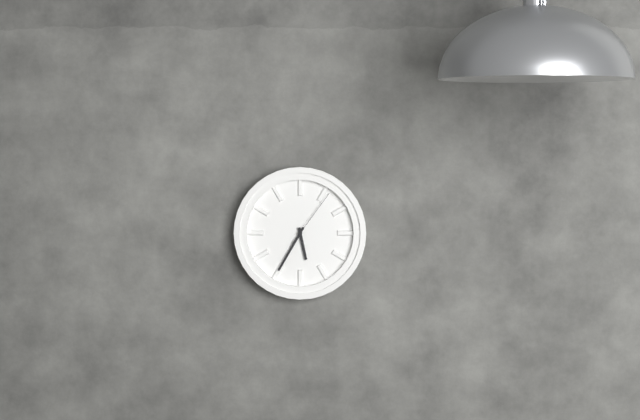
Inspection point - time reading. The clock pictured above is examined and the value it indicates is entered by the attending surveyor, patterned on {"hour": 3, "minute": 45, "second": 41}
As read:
{"hour": 5, "minute": 35, "second": 6}
